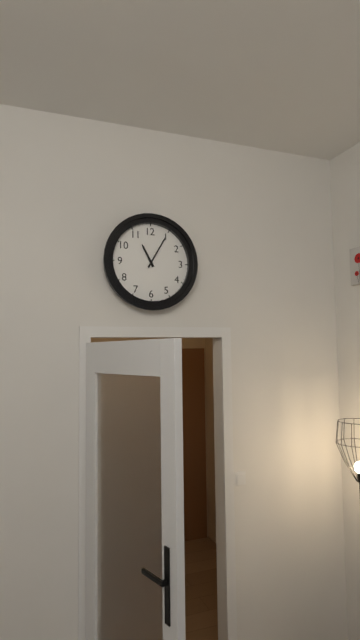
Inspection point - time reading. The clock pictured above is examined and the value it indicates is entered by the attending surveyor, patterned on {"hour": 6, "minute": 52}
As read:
{"hour": 11, "minute": 5}
